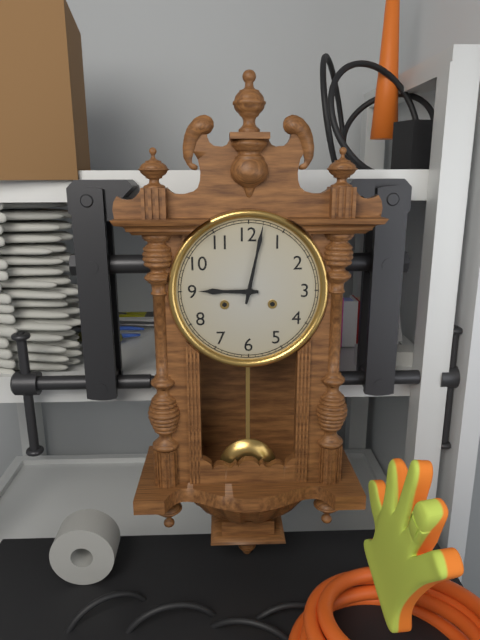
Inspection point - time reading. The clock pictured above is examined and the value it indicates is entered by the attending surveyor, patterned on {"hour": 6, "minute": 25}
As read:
{"hour": 9, "minute": 2}
